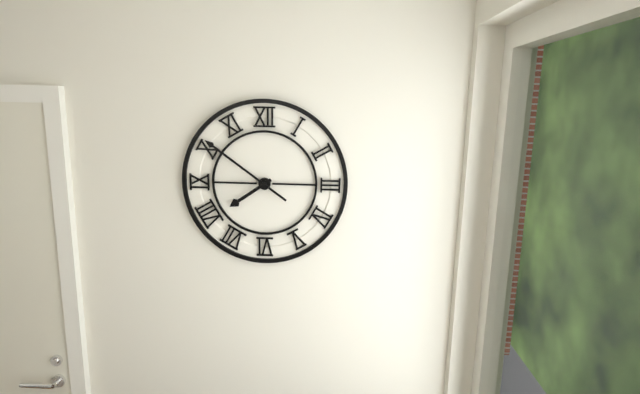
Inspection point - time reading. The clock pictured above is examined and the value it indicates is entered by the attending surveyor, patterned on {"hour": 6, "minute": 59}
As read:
{"hour": 7, "minute": 51}
